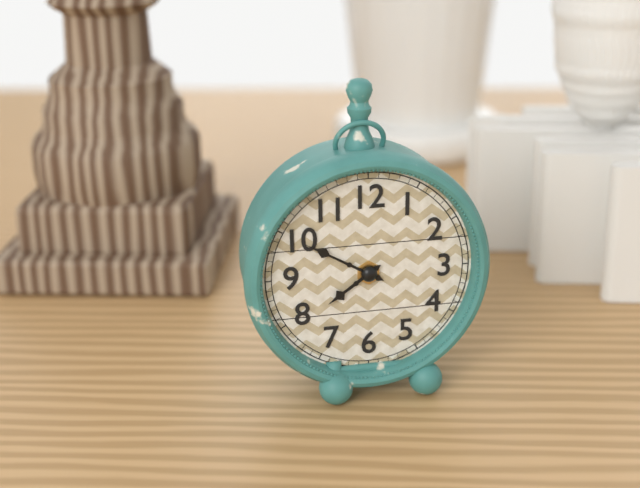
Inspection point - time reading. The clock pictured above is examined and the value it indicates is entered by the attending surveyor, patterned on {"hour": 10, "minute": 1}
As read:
{"hour": 7, "minute": 50}
